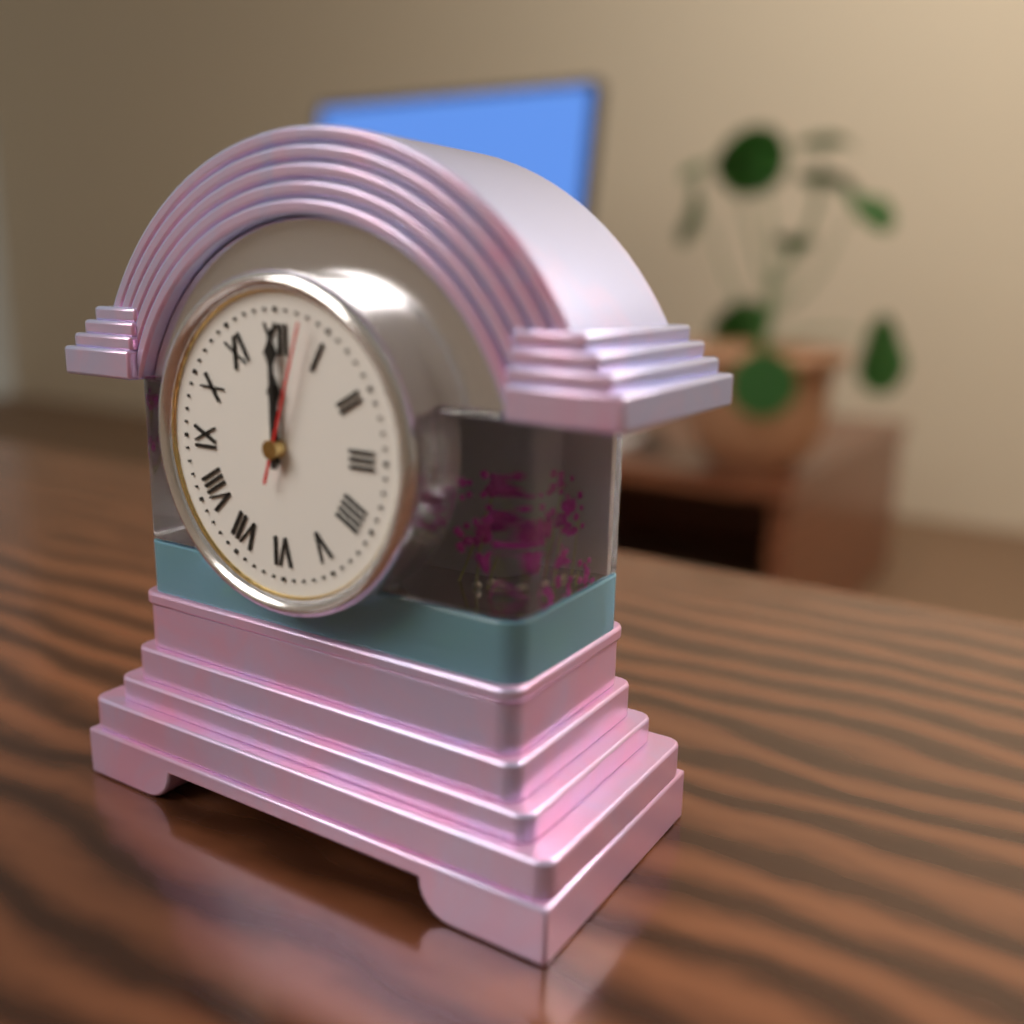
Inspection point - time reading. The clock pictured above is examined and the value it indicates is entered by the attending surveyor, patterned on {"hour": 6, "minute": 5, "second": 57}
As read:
{"hour": 12, "minute": 0, "second": 3}
